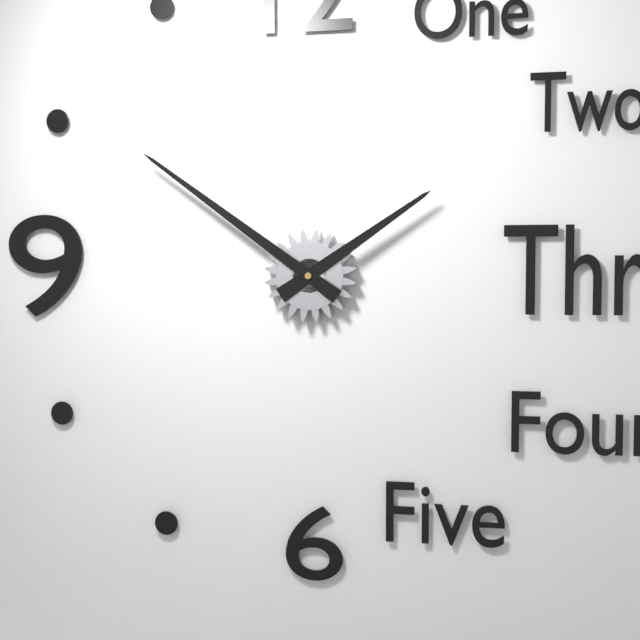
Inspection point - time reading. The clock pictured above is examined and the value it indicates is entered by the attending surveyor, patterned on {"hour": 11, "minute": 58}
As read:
{"hour": 1, "minute": 51}
